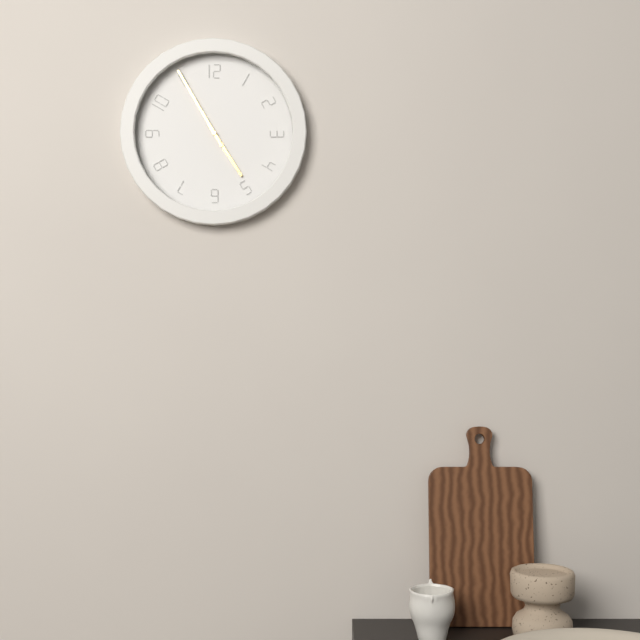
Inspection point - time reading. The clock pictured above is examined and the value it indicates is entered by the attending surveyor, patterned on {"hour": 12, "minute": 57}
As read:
{"hour": 4, "minute": 55}
